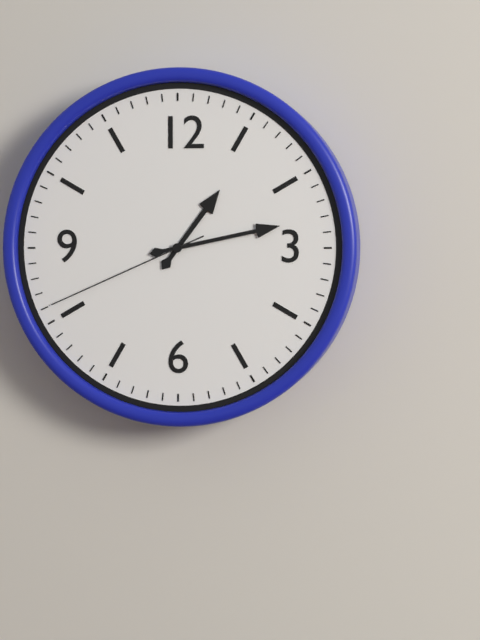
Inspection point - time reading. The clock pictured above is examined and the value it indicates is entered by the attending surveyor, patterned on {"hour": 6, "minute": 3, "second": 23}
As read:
{"hour": 1, "minute": 13, "second": 41}
